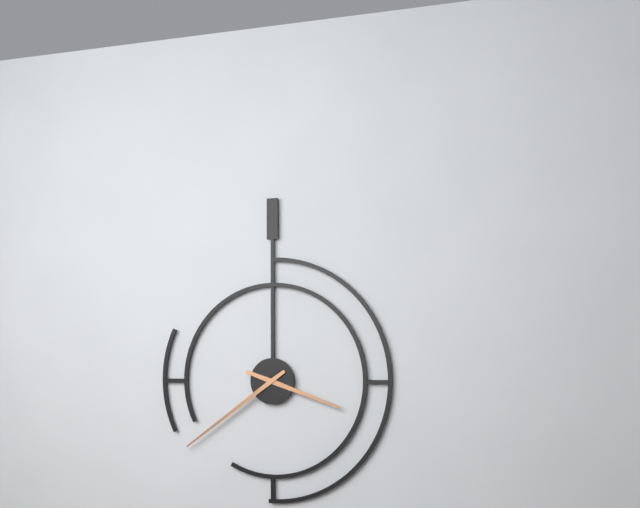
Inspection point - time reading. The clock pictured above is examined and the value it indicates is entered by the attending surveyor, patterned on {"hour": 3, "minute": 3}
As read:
{"hour": 3, "minute": 39}
